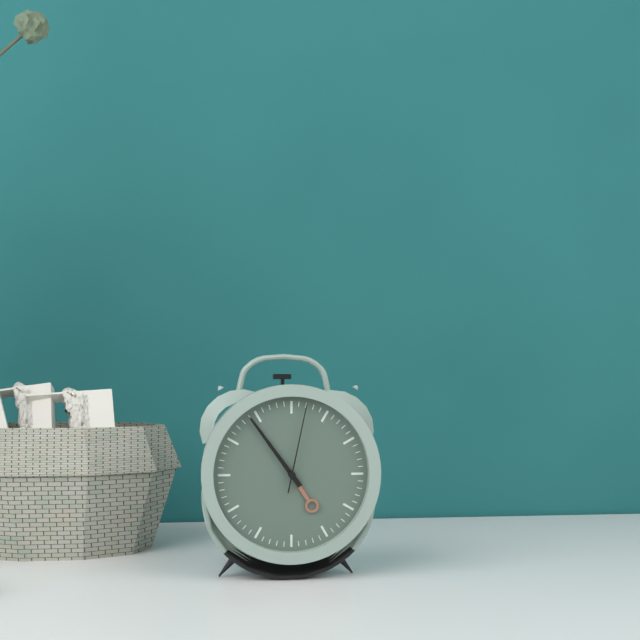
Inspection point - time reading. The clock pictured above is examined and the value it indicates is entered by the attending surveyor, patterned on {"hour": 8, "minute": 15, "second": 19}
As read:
{"hour": 4, "minute": 54, "second": 2}
